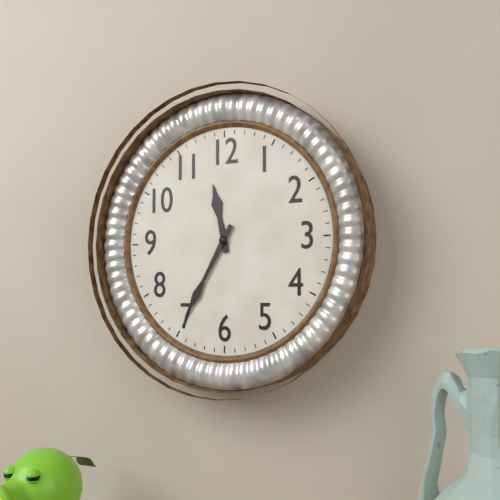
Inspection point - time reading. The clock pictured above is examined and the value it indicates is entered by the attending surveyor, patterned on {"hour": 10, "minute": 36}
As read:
{"hour": 11, "minute": 35}
